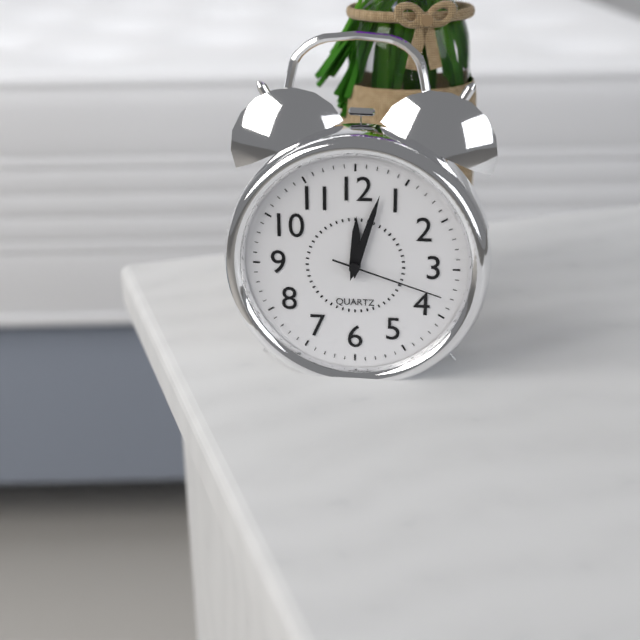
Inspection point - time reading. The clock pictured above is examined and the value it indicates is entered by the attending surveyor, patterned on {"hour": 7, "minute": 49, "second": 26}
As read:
{"hour": 12, "minute": 3, "second": 18}
